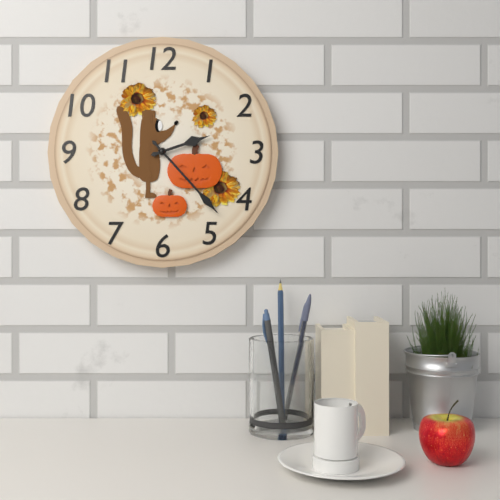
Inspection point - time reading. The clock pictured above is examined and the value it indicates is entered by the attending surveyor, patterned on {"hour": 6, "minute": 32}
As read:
{"hour": 2, "minute": 23}
